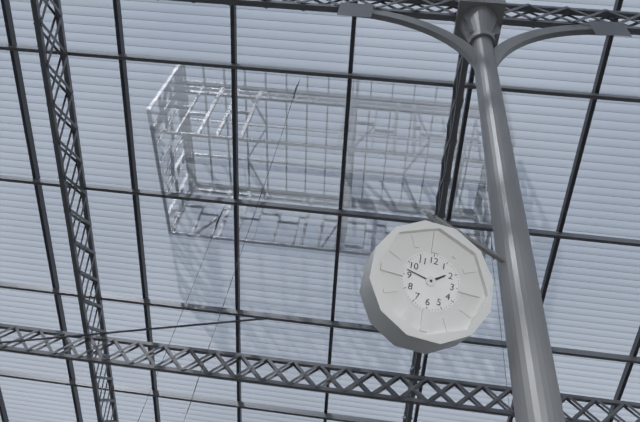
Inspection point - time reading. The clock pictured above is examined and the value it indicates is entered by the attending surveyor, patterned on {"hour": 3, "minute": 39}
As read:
{"hour": 1, "minute": 47}
